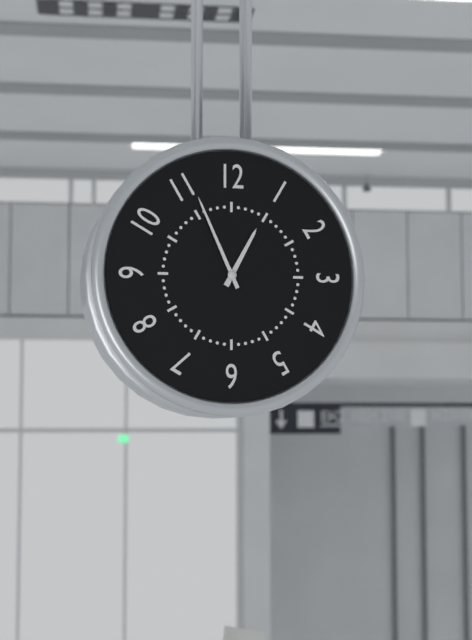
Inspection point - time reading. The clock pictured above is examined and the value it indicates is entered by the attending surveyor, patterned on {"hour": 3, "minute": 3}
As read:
{"hour": 12, "minute": 56}
